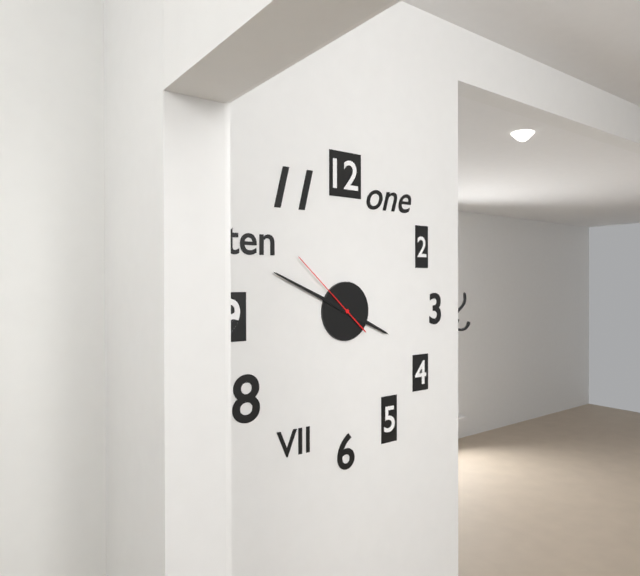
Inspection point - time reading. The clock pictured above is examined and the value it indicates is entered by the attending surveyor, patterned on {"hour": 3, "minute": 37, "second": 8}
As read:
{"hour": 3, "minute": 49, "second": 52}
